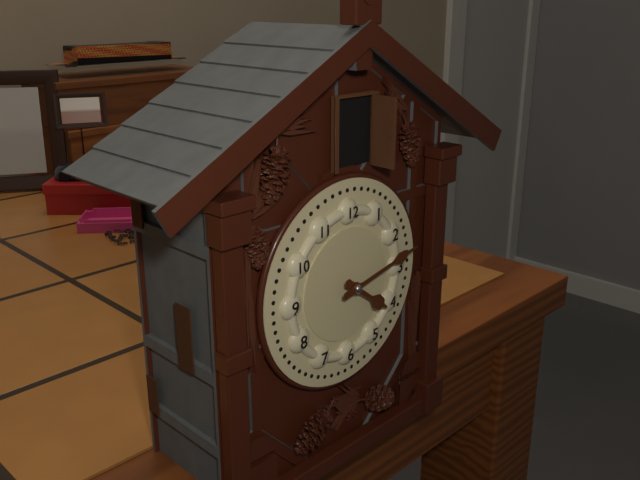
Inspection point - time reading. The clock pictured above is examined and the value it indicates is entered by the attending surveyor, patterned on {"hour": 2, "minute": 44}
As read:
{"hour": 4, "minute": 13}
